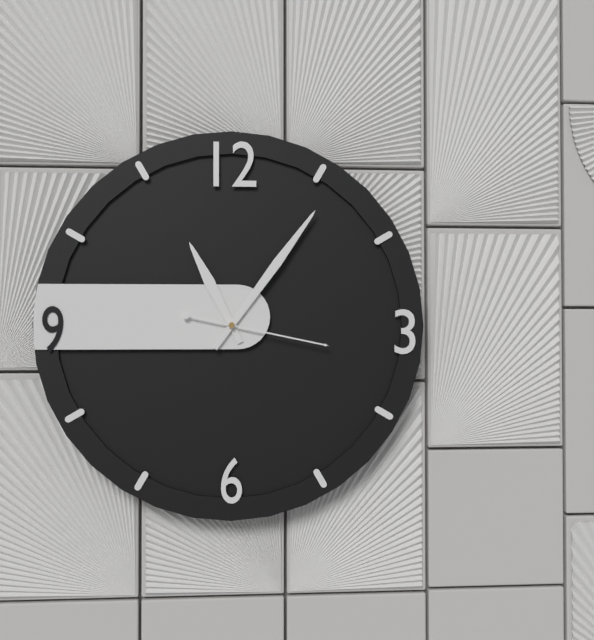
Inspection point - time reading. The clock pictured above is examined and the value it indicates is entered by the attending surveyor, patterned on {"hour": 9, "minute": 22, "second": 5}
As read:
{"hour": 11, "minute": 6, "second": 17}
